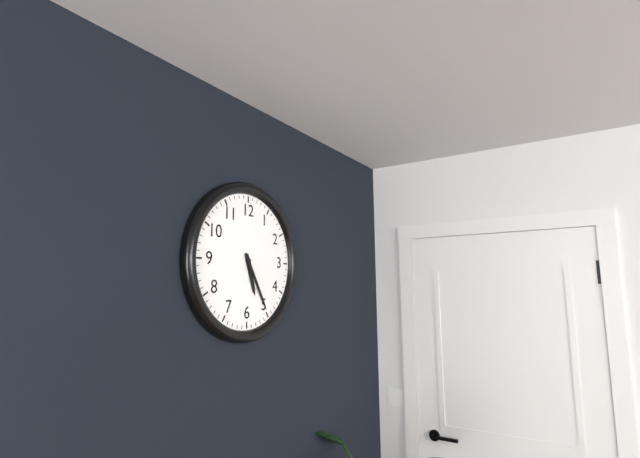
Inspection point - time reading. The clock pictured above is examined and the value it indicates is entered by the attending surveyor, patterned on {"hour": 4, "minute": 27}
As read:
{"hour": 5, "minute": 25}
